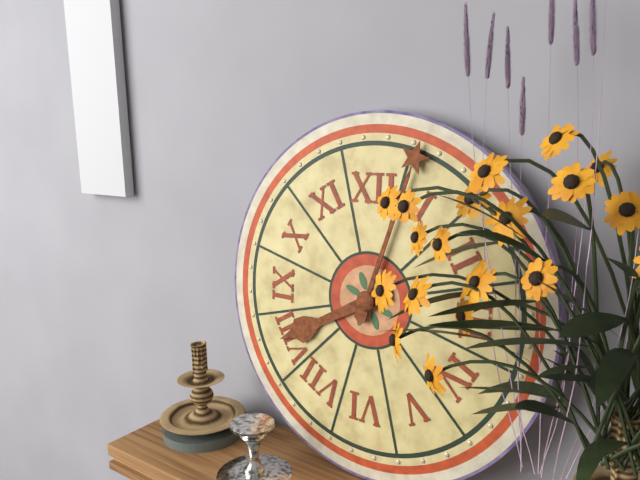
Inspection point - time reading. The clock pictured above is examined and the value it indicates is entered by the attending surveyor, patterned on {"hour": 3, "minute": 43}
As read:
{"hour": 8, "minute": 3}
